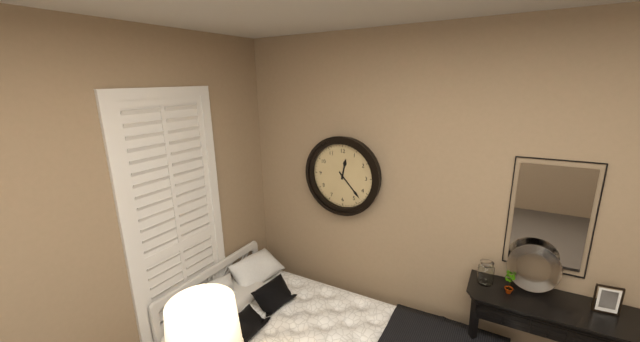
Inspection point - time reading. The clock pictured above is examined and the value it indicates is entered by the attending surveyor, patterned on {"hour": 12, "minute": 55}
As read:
{"hour": 12, "minute": 23}
